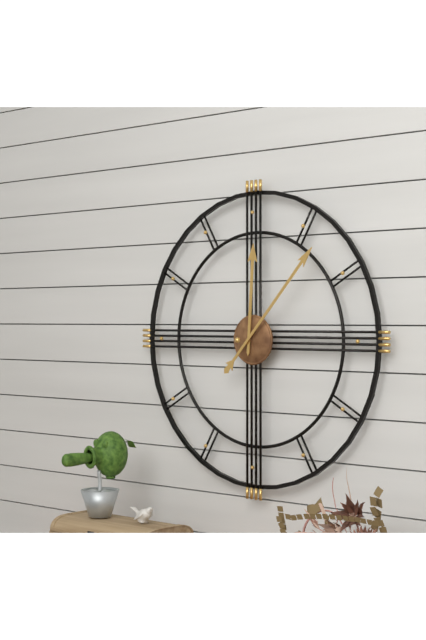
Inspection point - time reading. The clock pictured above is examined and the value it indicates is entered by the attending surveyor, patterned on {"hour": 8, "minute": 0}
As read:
{"hour": 12, "minute": 7}
